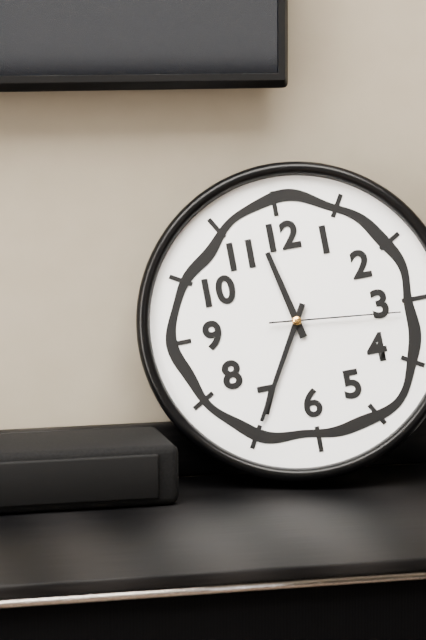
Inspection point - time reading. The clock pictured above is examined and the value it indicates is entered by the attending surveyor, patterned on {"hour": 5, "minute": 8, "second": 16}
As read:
{"hour": 11, "minute": 35, "second": 16}
